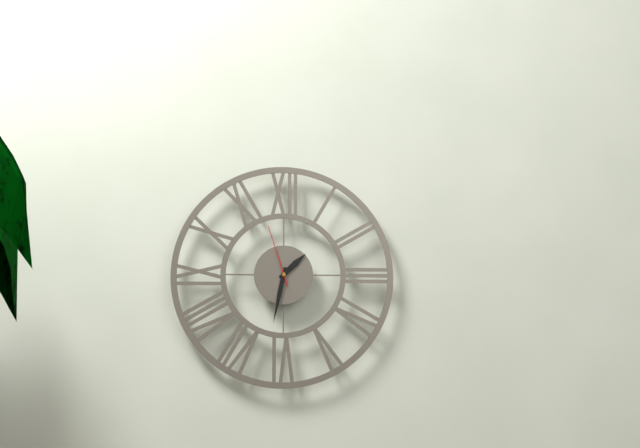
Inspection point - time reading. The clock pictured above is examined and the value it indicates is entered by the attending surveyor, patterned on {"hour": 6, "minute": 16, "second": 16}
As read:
{"hour": 1, "minute": 32, "second": 57}
